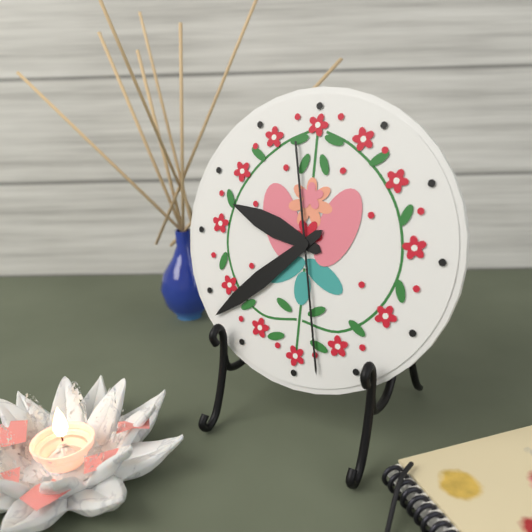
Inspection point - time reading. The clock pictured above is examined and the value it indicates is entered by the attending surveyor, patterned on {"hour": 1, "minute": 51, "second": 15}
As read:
{"hour": 9, "minute": 38, "second": 28}
